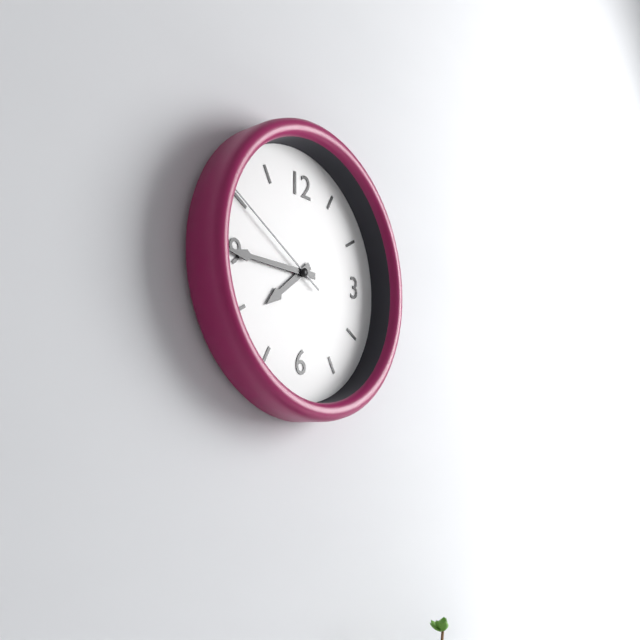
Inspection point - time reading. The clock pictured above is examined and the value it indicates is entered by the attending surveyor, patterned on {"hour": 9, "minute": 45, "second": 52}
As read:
{"hour": 7, "minute": 45, "second": 50}
